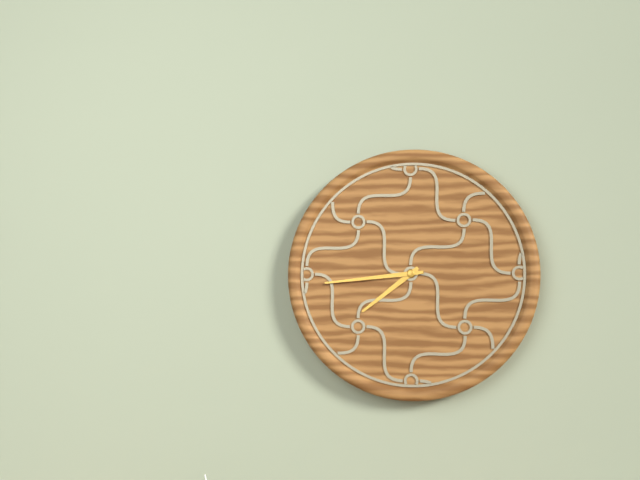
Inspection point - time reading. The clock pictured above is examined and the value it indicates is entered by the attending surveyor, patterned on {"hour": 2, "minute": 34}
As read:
{"hour": 7, "minute": 44}
